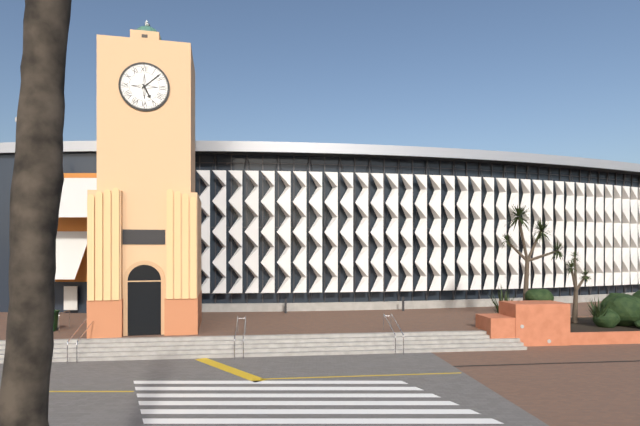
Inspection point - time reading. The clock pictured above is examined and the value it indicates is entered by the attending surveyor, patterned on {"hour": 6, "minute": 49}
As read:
{"hour": 5, "minute": 8}
